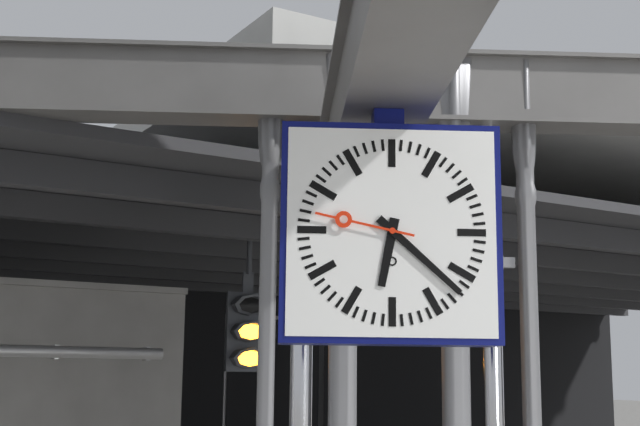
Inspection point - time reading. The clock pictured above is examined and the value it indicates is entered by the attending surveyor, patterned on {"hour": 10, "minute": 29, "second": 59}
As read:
{"hour": 6, "minute": 22, "second": 47}
